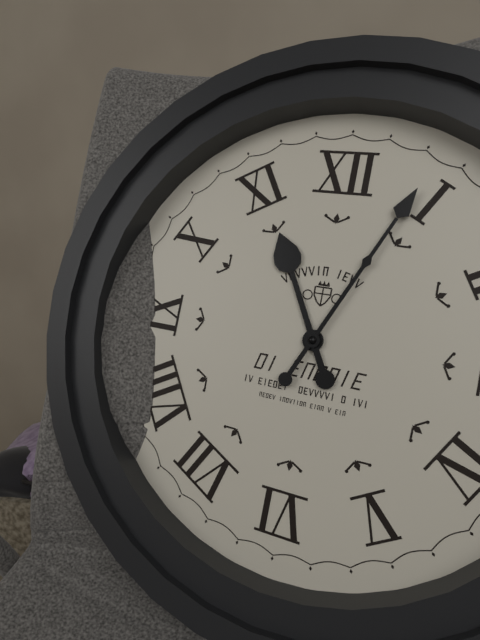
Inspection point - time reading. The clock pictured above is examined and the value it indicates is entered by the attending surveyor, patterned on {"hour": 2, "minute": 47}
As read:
{"hour": 11, "minute": 4}
